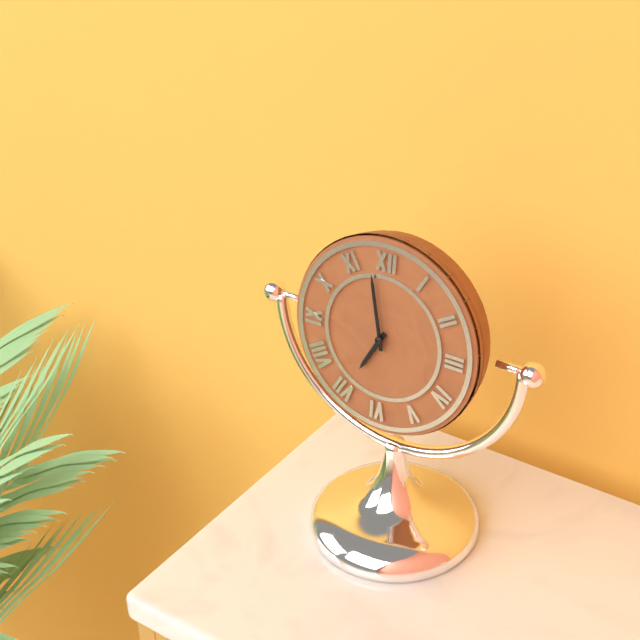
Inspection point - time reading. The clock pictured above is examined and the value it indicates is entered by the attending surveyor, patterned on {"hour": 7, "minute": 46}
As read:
{"hour": 6, "minute": 58}
